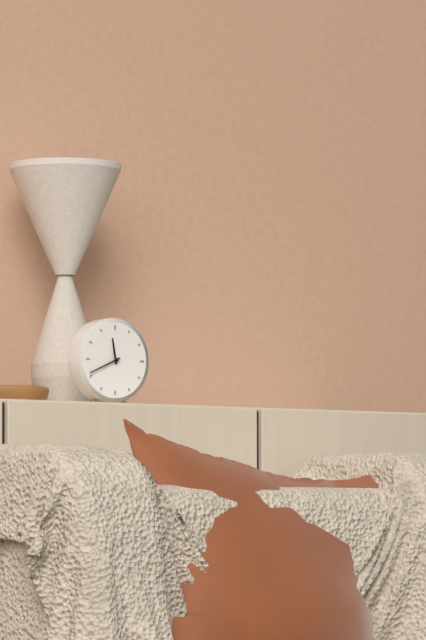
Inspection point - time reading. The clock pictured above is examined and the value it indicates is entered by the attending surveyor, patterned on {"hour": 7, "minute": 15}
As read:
{"hour": 11, "minute": 41}
